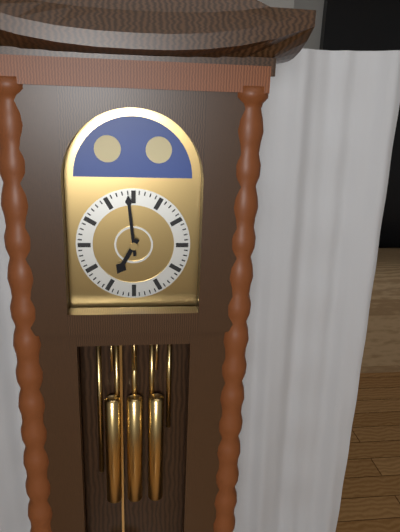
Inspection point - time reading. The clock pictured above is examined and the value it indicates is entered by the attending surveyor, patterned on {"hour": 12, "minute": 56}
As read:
{"hour": 6, "minute": 59}
